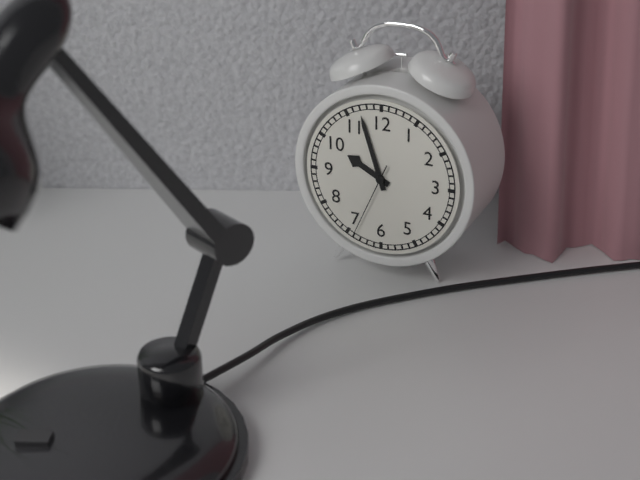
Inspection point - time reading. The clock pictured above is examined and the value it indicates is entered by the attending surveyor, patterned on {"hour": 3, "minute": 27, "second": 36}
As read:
{"hour": 9, "minute": 57, "second": 34}
